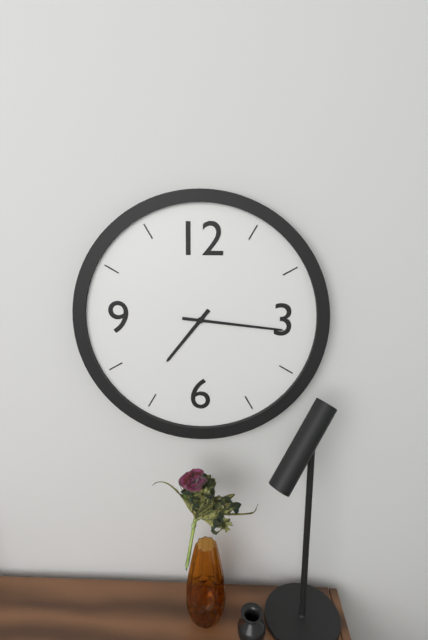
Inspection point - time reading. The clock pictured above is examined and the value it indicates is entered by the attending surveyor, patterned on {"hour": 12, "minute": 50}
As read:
{"hour": 7, "minute": 16}
